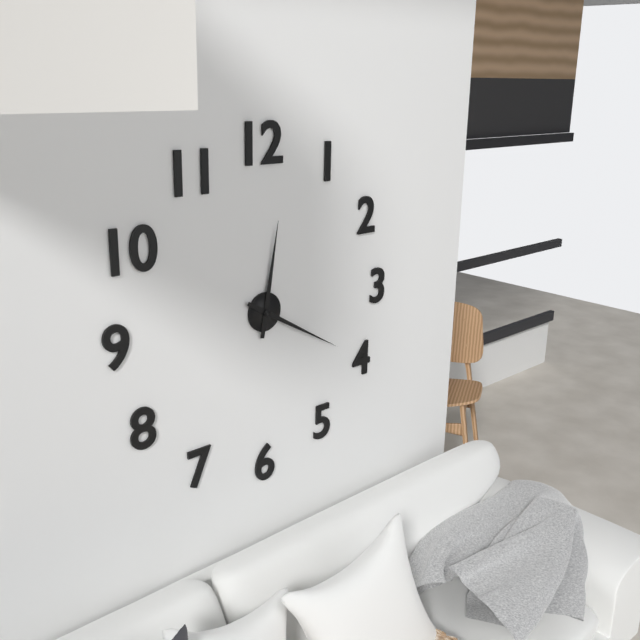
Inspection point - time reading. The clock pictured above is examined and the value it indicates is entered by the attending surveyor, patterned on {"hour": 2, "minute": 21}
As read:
{"hour": 12, "minute": 20}
